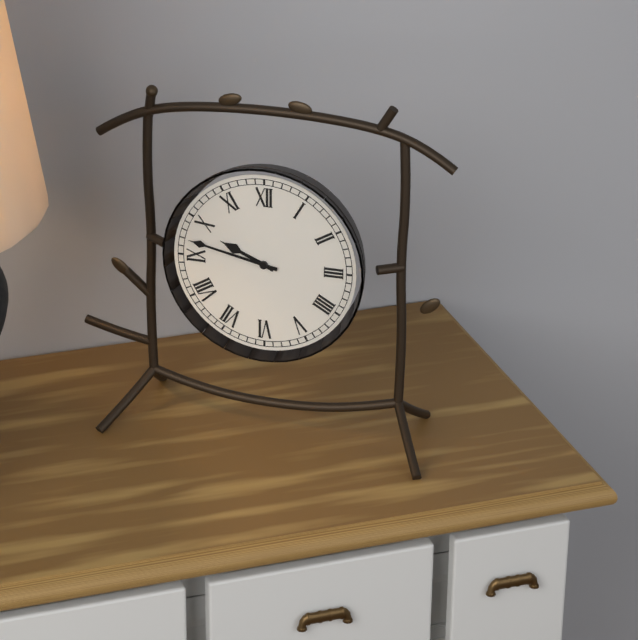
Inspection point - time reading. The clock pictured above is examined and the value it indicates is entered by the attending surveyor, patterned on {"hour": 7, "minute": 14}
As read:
{"hour": 9, "minute": 47}
